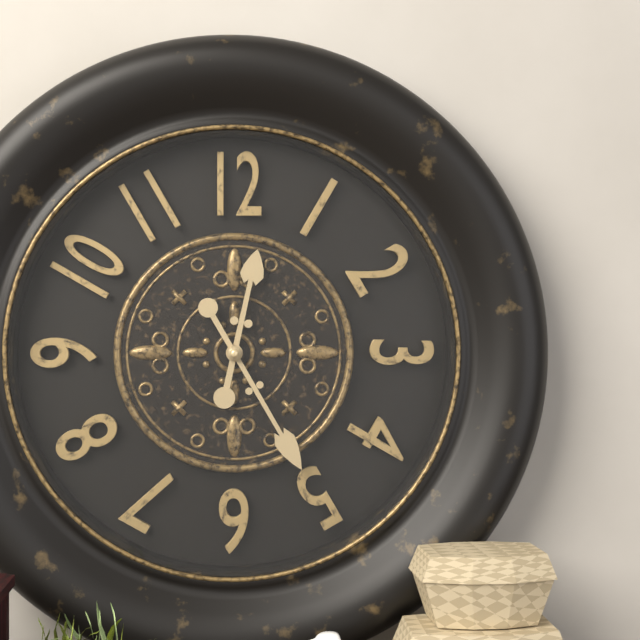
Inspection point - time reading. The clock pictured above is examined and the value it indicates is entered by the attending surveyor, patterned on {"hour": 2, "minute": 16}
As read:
{"hour": 12, "minute": 25}
